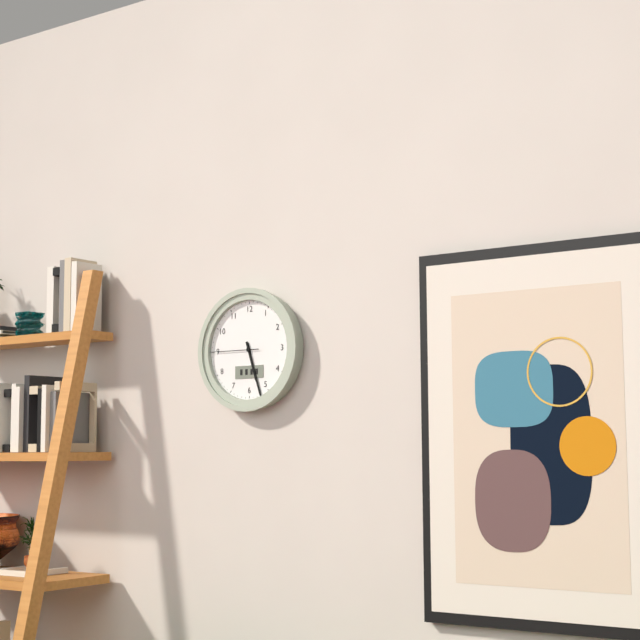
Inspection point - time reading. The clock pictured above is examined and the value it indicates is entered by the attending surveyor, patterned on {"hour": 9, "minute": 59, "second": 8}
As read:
{"hour": 5, "minute": 27, "second": 45}
